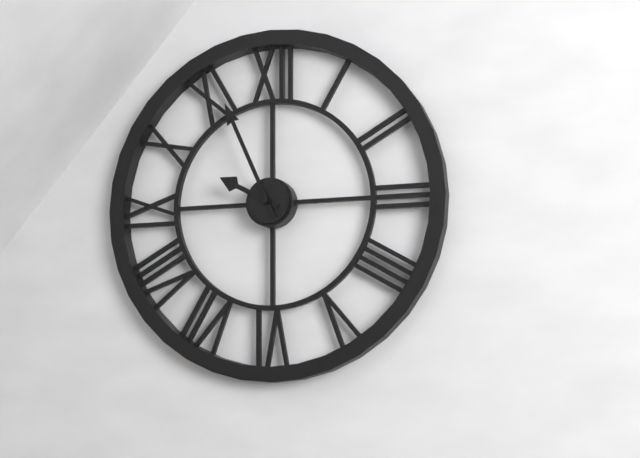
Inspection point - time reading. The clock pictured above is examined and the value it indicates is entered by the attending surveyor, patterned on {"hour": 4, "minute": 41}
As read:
{"hour": 9, "minute": 56}
